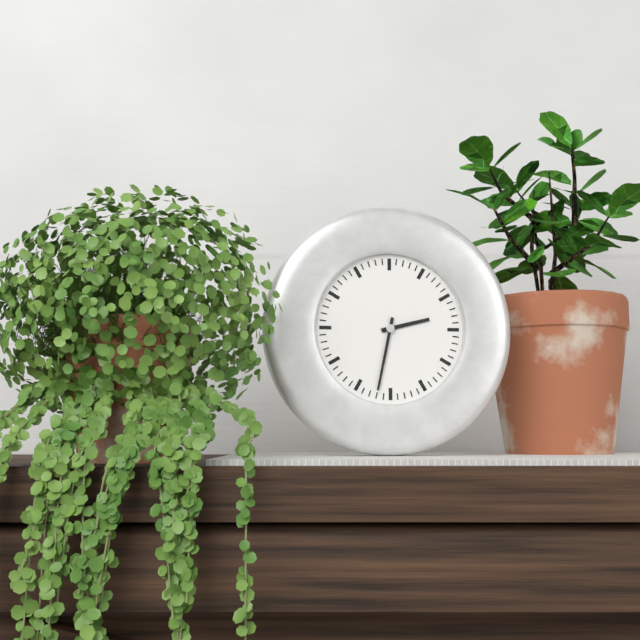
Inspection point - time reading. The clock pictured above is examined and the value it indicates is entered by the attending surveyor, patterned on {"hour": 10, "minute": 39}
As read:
{"hour": 2, "minute": 32}
